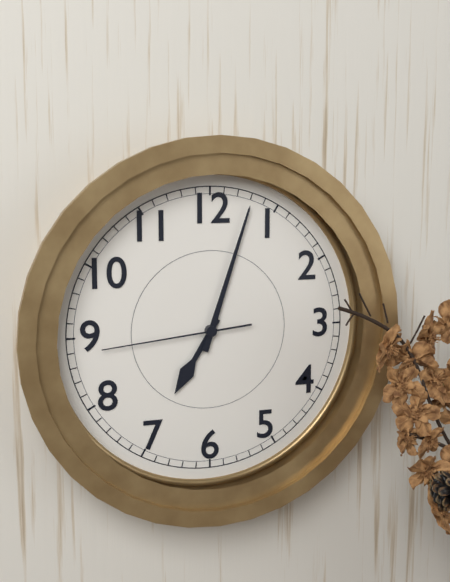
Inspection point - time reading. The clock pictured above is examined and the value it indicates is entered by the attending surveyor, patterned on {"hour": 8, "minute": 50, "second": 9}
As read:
{"hour": 7, "minute": 3, "second": 44}
